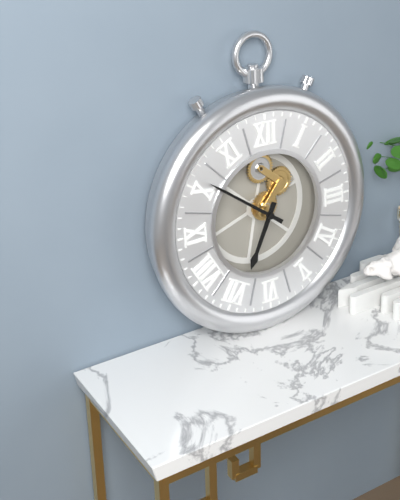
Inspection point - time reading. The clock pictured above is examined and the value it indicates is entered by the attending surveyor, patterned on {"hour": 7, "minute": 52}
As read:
{"hour": 6, "minute": 51}
